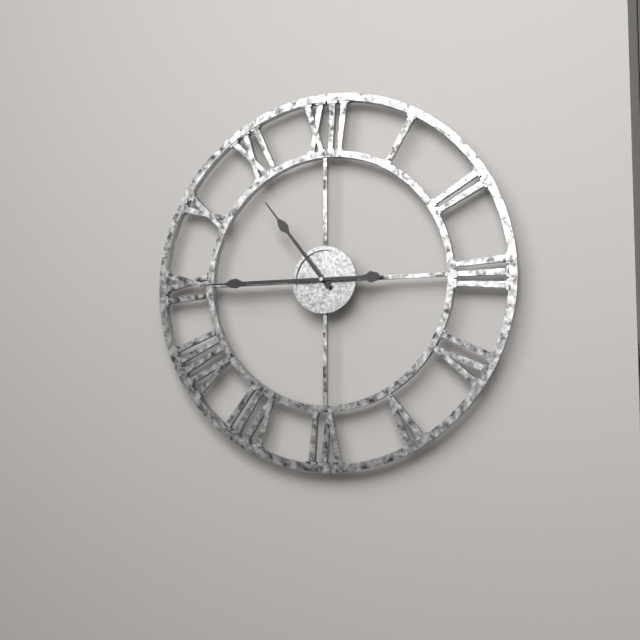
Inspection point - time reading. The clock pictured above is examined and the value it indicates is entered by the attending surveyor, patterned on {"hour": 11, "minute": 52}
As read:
{"hour": 10, "minute": 45}
